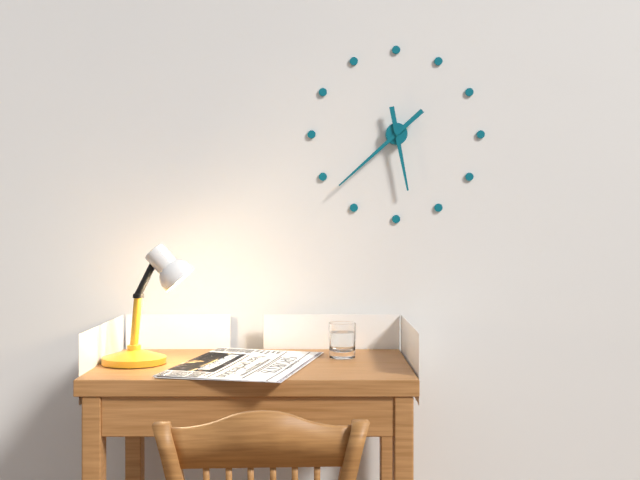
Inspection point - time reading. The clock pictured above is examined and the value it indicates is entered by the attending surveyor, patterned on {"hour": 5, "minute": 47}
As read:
{"hour": 5, "minute": 38}
